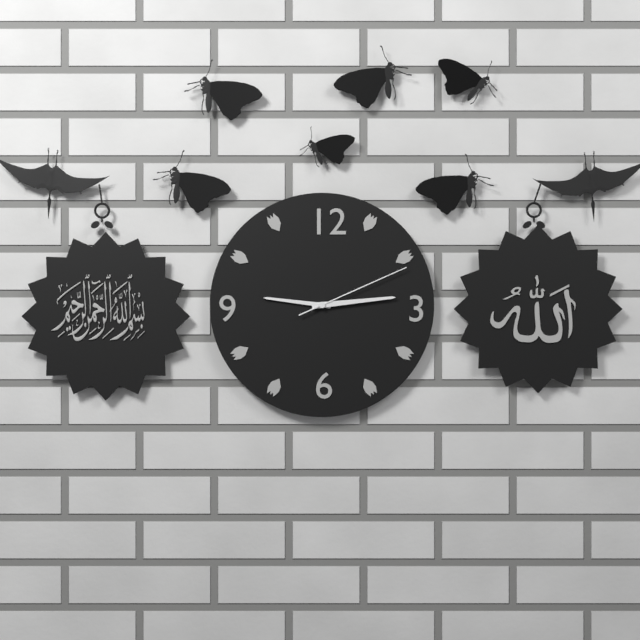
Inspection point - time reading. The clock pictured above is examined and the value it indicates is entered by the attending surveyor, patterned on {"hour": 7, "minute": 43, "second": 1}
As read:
{"hour": 9, "minute": 14, "second": 11}
